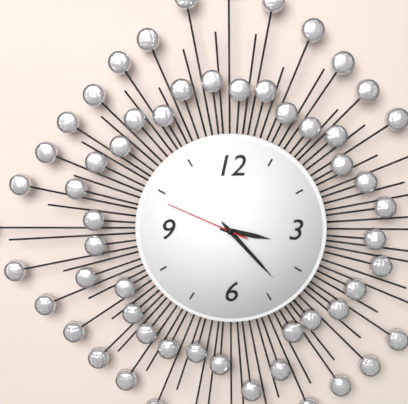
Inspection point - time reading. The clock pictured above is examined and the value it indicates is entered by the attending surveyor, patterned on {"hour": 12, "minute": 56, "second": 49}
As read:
{"hour": 3, "minute": 23, "second": 49}
